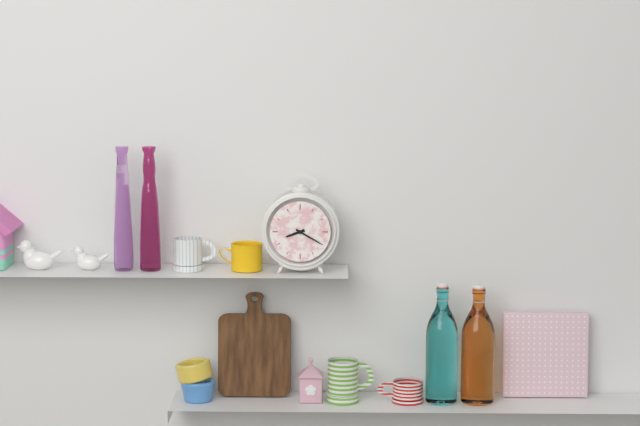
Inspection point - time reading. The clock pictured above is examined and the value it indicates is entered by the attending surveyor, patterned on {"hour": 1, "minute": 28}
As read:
{"hour": 8, "minute": 20}
